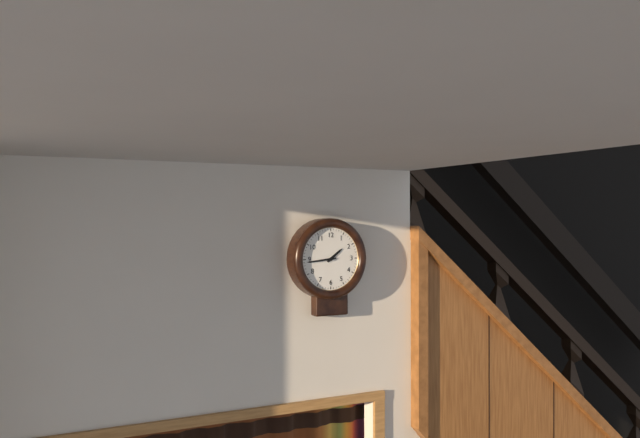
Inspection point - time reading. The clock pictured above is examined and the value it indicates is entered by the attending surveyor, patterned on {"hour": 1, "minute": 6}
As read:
{"hour": 1, "minute": 44}
